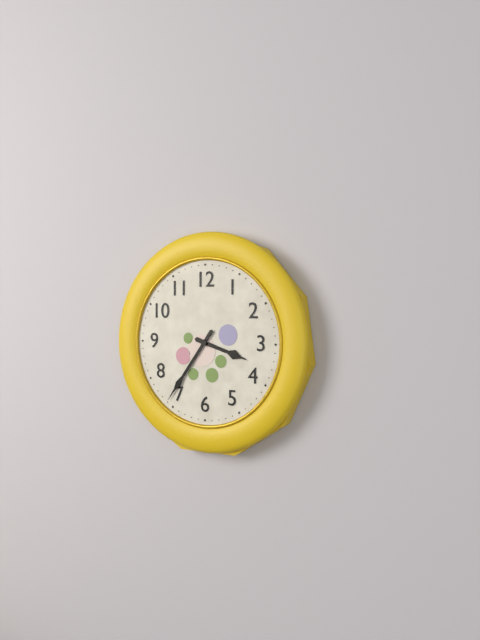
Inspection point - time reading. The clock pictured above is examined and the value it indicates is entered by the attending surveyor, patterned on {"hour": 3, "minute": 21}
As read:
{"hour": 3, "minute": 36}
